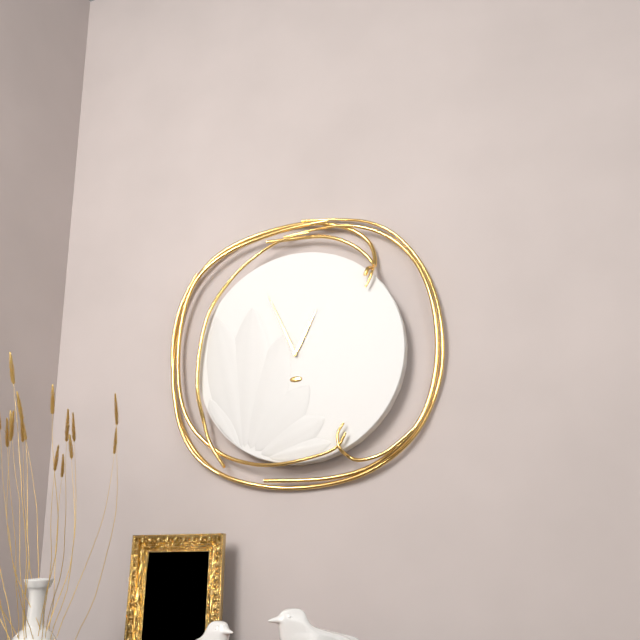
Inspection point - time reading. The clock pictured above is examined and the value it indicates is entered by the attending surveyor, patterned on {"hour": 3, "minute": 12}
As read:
{"hour": 12, "minute": 56}
